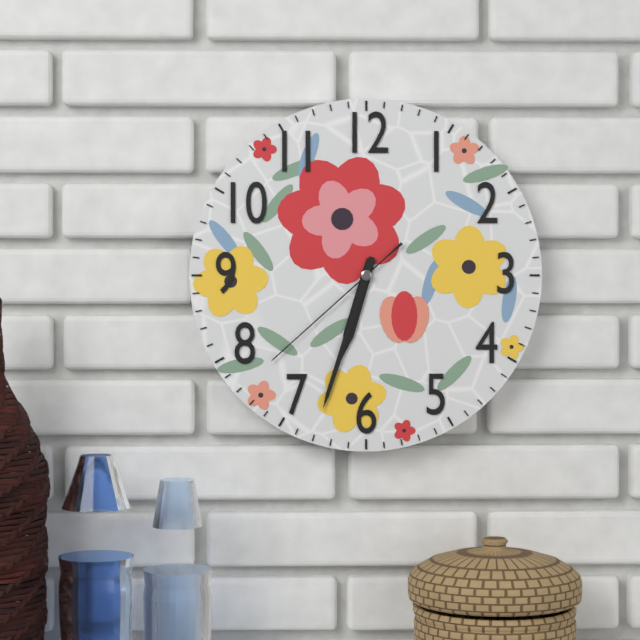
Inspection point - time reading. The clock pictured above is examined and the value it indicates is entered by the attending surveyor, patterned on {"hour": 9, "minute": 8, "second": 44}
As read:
{"hour": 6, "minute": 33, "second": 38}
